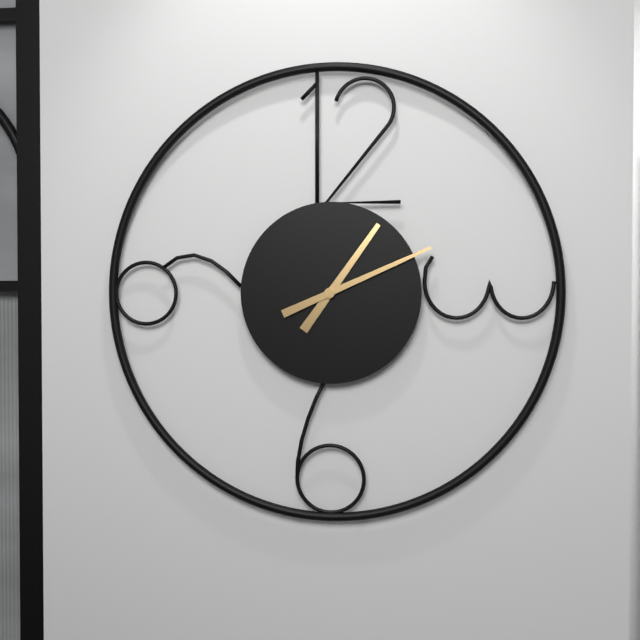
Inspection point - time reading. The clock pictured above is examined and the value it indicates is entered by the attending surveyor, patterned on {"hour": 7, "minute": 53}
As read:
{"hour": 1, "minute": 11}
